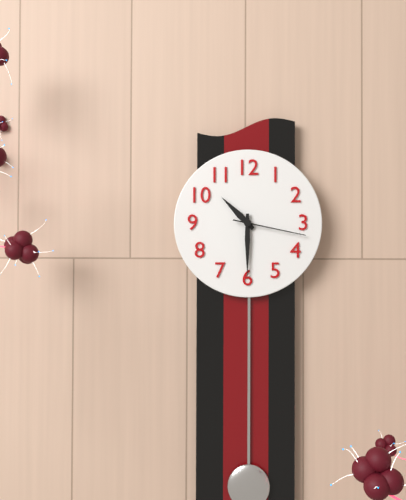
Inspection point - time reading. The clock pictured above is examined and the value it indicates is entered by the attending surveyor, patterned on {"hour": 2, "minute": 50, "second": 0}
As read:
{"hour": 10, "minute": 30, "second": 17}
